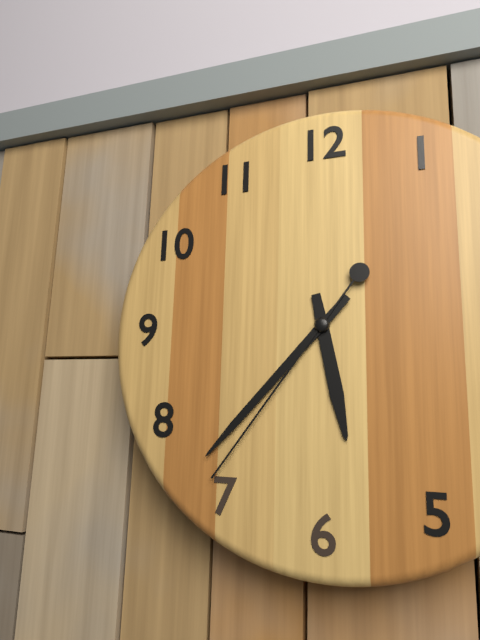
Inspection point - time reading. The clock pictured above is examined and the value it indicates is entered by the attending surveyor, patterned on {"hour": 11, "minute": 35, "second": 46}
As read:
{"hour": 5, "minute": 37, "second": 36}
